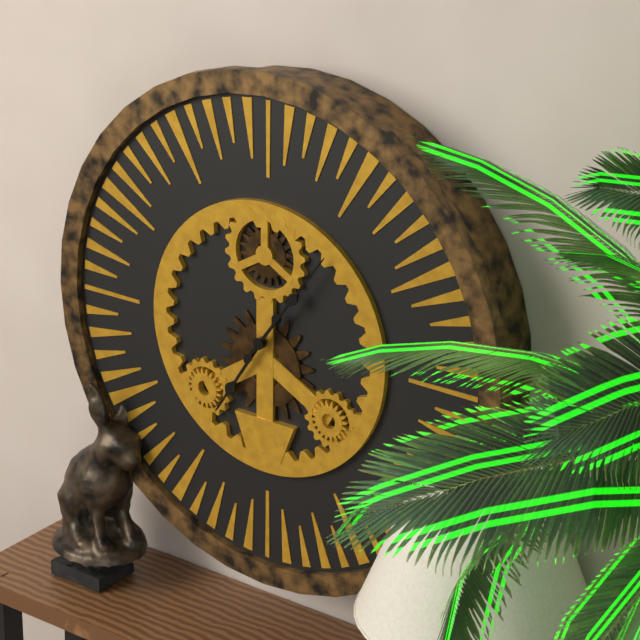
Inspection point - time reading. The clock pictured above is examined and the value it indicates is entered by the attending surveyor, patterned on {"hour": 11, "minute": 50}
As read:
{"hour": 7, "minute": 6}
